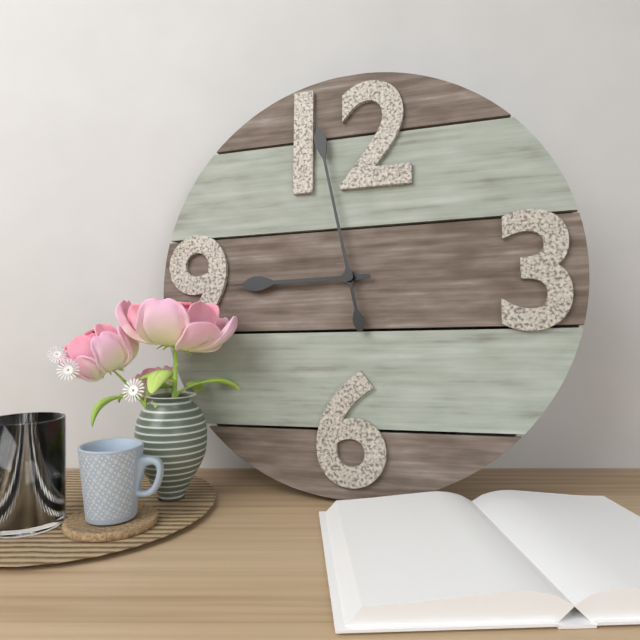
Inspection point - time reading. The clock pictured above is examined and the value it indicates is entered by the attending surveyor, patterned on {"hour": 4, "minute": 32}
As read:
{"hour": 8, "minute": 58}
